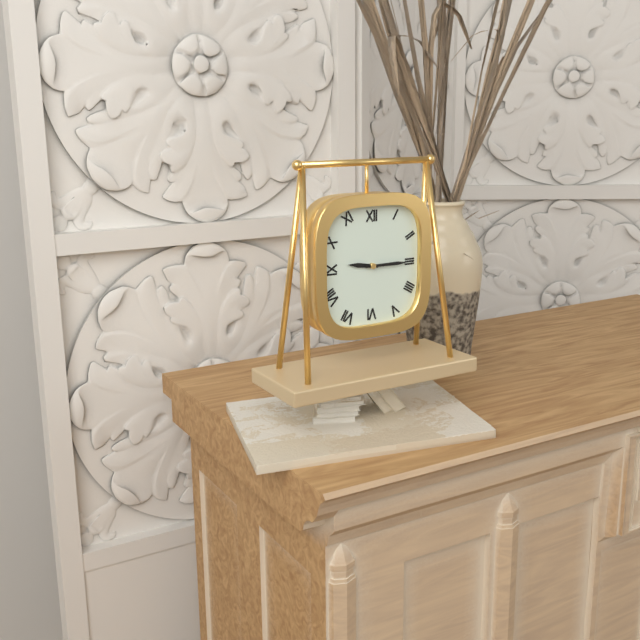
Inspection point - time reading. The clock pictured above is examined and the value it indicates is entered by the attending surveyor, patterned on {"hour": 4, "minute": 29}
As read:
{"hour": 9, "minute": 15}
